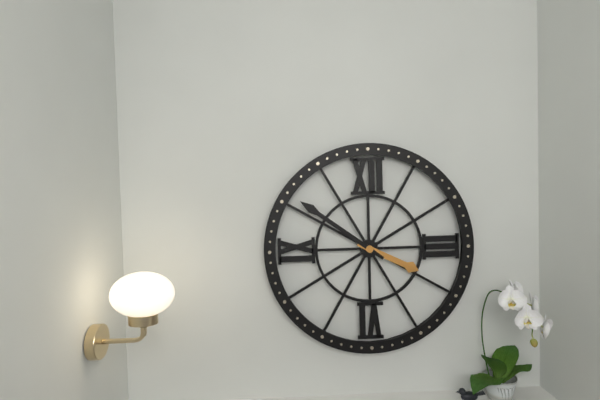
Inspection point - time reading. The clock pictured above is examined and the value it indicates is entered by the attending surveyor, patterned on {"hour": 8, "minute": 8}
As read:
{"hour": 3, "minute": 51}
